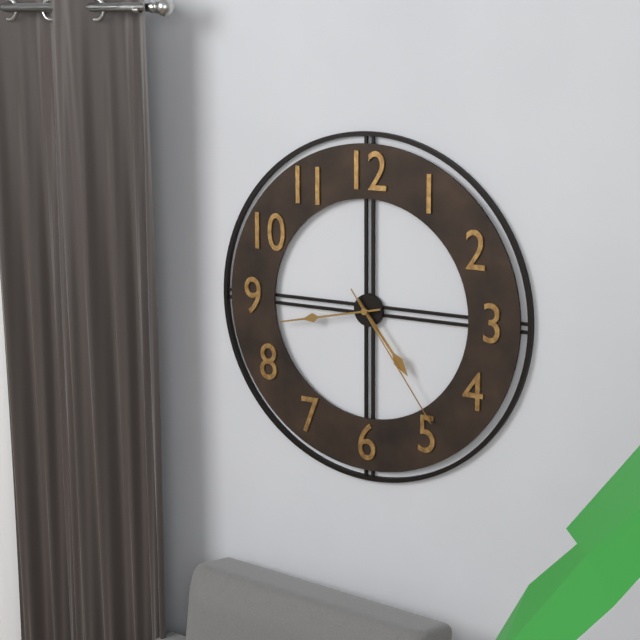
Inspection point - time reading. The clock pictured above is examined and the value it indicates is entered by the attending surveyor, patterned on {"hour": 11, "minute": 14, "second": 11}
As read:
{"hour": 4, "minute": 43, "second": 24}
